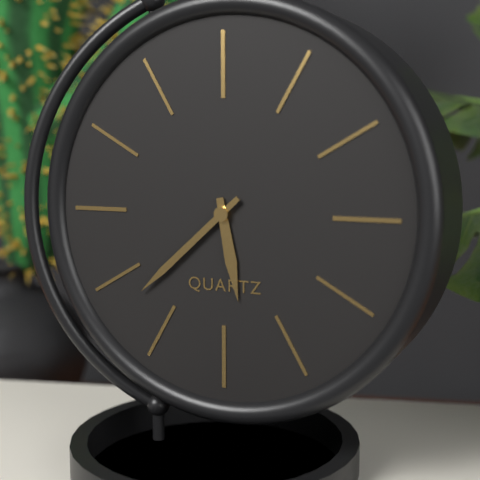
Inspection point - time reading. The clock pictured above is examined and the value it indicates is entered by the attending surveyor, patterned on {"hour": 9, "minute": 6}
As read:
{"hour": 5, "minute": 38}
